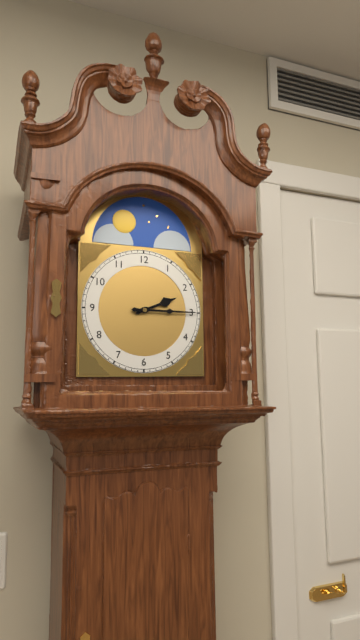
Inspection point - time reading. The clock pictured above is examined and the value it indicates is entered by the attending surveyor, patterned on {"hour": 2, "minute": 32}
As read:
{"hour": 2, "minute": 15}
